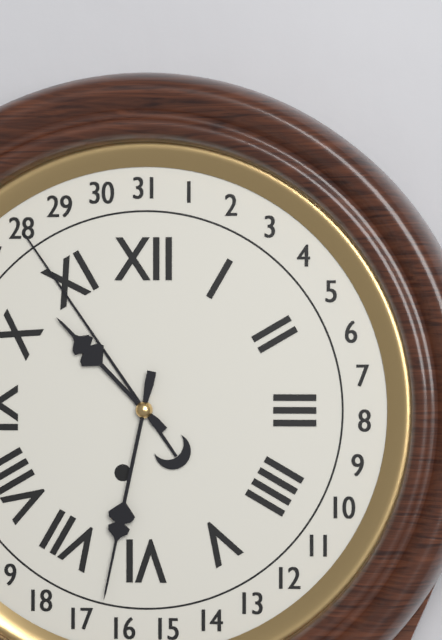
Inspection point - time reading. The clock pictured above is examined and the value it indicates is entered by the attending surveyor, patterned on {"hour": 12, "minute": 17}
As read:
{"hour": 10, "minute": 32}
